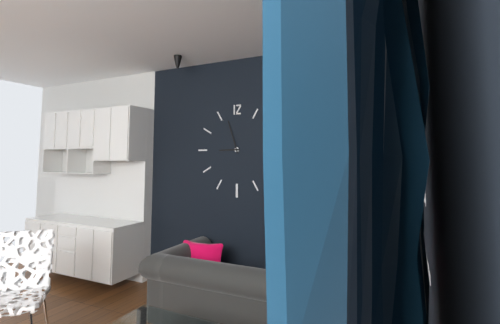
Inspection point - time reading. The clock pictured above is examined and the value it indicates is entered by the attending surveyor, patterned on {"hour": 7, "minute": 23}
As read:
{"hour": 8, "minute": 57}
